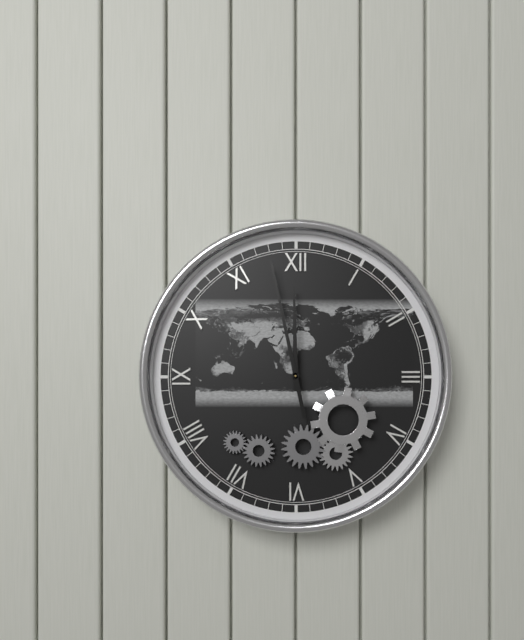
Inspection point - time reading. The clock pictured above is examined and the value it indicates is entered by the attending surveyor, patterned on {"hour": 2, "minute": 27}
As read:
{"hour": 11, "minute": 58}
